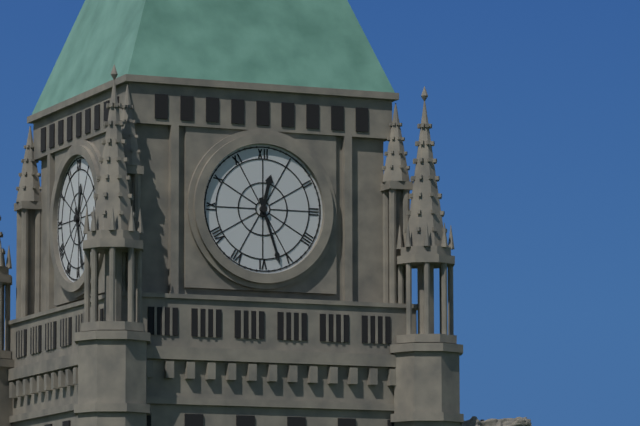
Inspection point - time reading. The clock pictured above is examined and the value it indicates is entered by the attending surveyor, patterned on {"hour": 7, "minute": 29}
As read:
{"hour": 12, "minute": 27}
